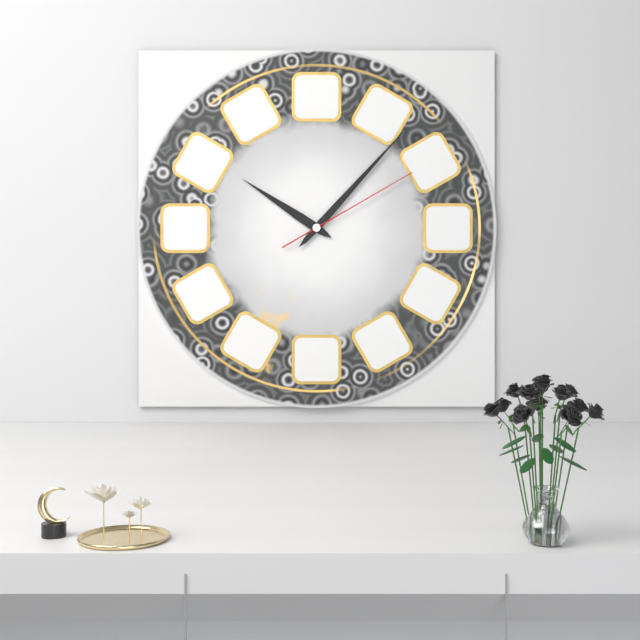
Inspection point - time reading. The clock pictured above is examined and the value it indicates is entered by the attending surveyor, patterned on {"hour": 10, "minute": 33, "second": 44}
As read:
{"hour": 10, "minute": 7, "second": 10}
